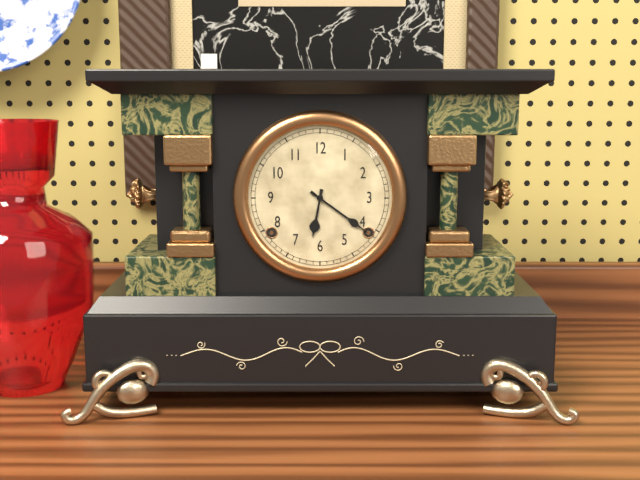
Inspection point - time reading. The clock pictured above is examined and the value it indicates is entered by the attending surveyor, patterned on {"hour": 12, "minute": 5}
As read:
{"hour": 6, "minute": 21}
